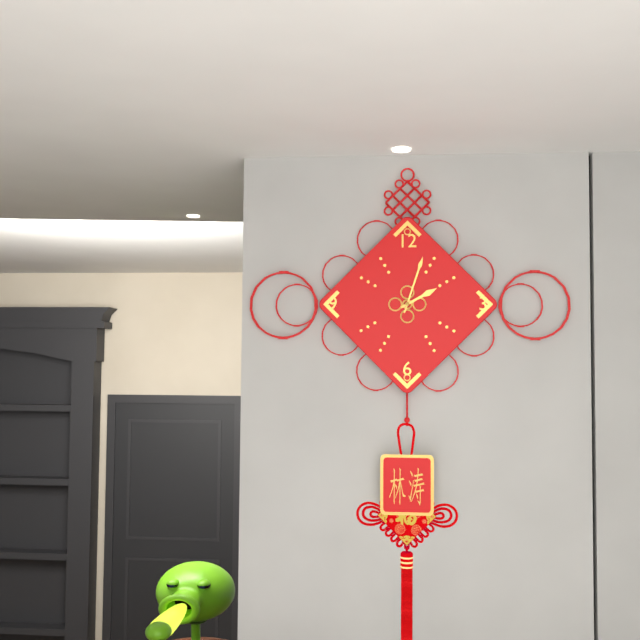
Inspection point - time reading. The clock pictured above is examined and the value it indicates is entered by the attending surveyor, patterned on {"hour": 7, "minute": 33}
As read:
{"hour": 2, "minute": 3}
